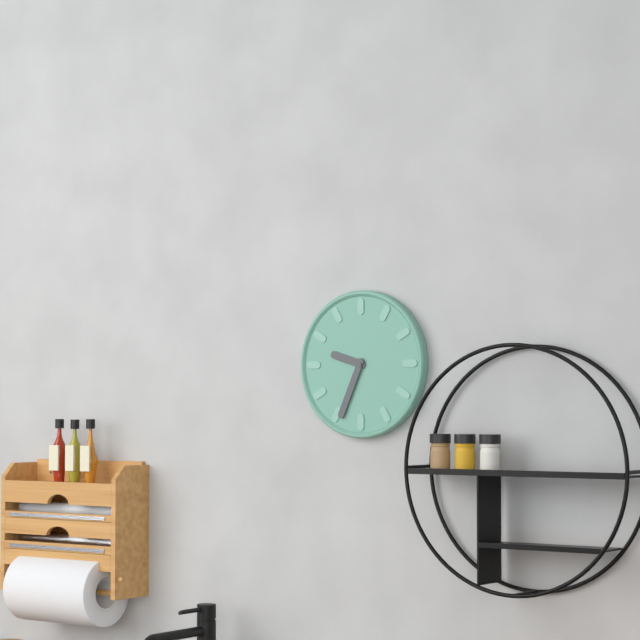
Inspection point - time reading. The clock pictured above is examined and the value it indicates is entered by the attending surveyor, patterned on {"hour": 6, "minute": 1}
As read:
{"hour": 9, "minute": 34}
